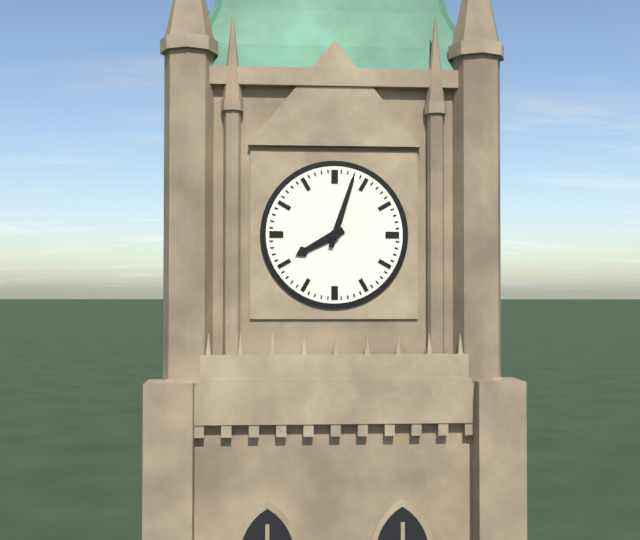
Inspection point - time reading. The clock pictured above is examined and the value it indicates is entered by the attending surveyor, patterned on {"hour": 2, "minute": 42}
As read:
{"hour": 8, "minute": 3}
